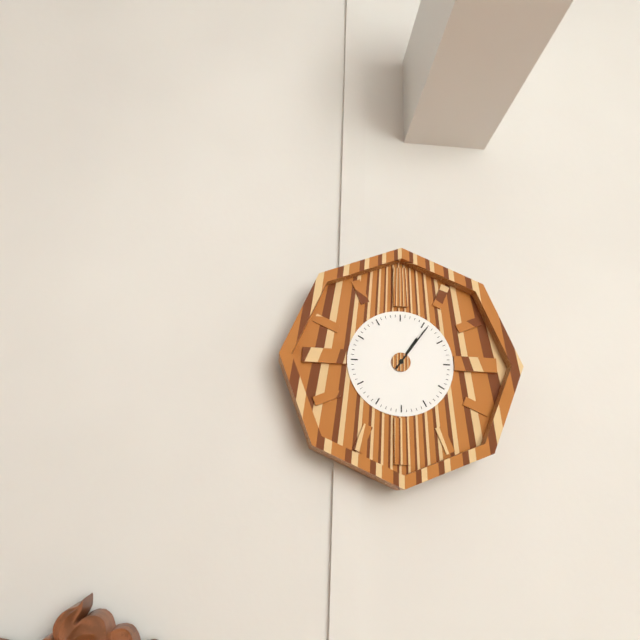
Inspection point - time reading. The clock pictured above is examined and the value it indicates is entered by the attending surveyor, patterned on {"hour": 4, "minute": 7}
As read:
{"hour": 1, "minute": 6}
